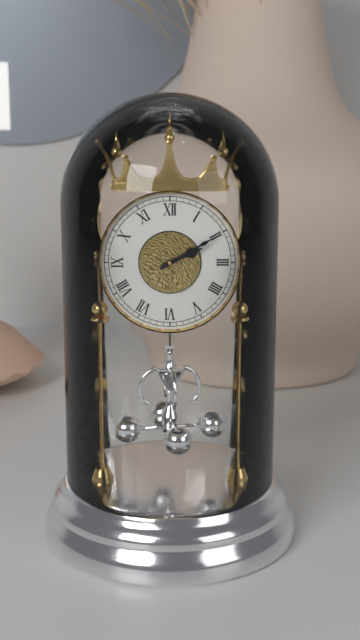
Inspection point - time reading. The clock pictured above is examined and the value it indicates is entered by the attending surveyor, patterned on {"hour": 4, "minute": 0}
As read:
{"hour": 2, "minute": 10}
